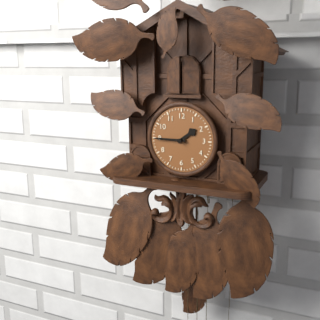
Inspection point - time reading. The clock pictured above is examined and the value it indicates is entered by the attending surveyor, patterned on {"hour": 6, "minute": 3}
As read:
{"hour": 1, "minute": 45}
